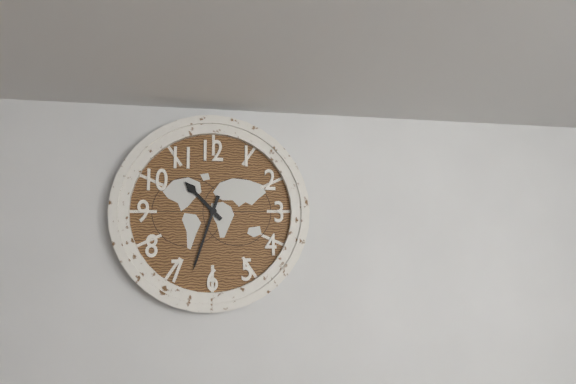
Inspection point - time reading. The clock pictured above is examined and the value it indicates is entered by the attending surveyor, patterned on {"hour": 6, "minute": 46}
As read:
{"hour": 10, "minute": 33}
